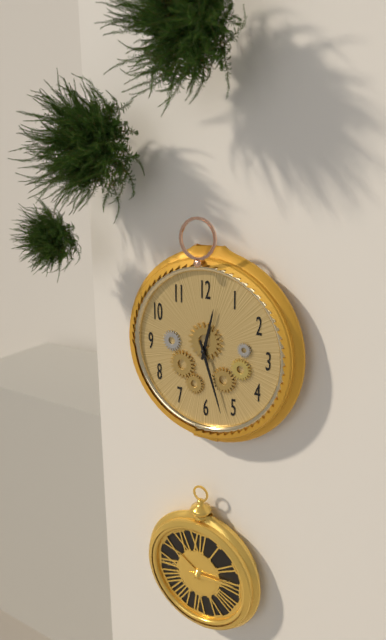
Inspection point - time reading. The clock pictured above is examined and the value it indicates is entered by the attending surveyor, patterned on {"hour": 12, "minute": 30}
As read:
{"hour": 12, "minute": 27}
